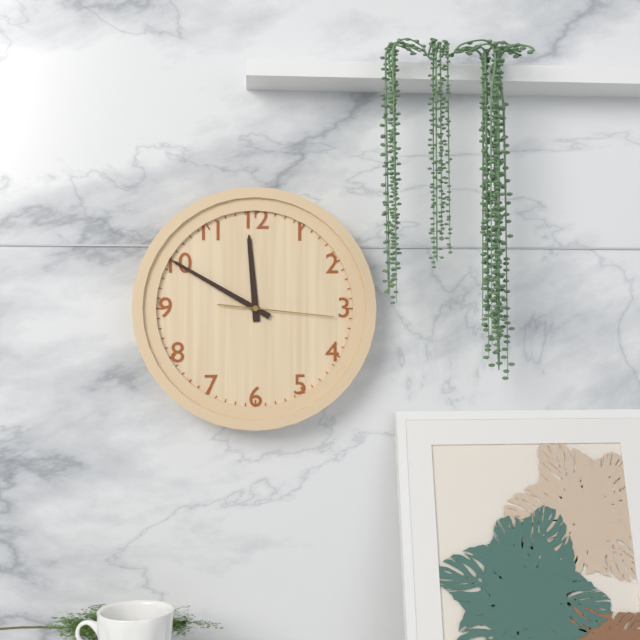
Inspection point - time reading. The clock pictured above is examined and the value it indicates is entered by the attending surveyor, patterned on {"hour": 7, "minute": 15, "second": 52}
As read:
{"hour": 11, "minute": 50, "second": 16}
